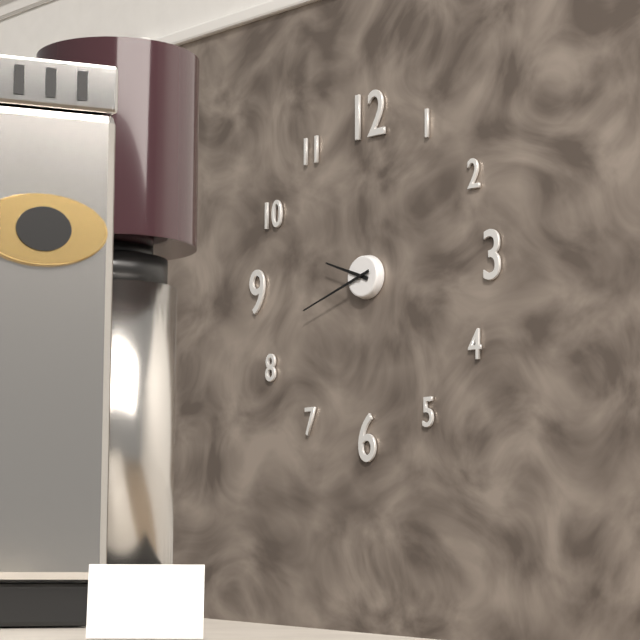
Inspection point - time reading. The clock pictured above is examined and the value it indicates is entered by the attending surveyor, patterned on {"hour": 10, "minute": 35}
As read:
{"hour": 9, "minute": 42}
